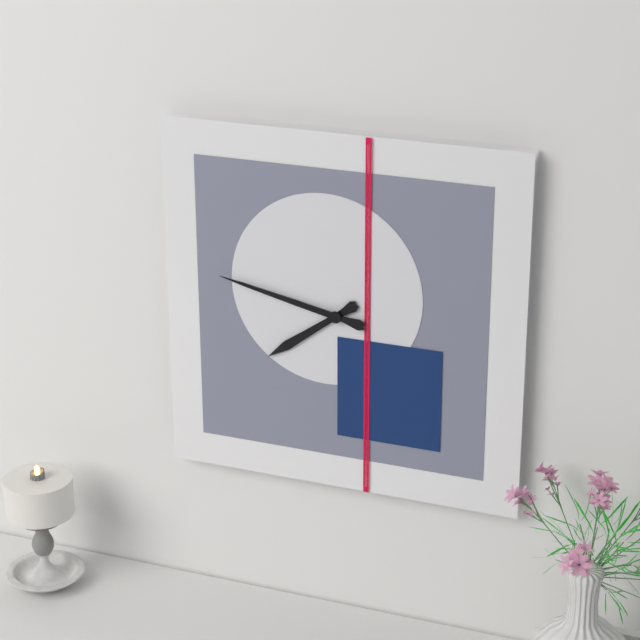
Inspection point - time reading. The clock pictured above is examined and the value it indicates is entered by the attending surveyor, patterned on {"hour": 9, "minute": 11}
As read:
{"hour": 7, "minute": 47}
